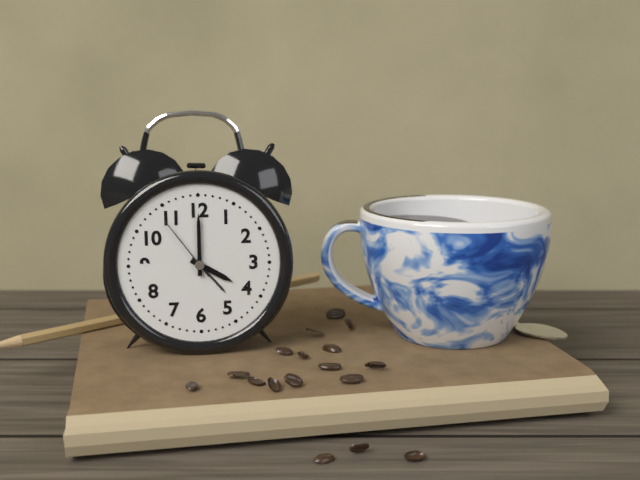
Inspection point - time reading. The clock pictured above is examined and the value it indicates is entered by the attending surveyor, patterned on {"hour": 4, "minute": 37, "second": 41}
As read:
{"hour": 4, "minute": 0, "second": 54}
